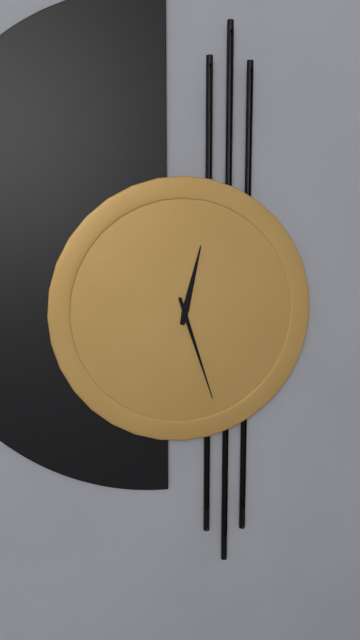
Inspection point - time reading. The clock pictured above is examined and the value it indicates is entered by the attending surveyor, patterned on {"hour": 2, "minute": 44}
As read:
{"hour": 12, "minute": 27}
